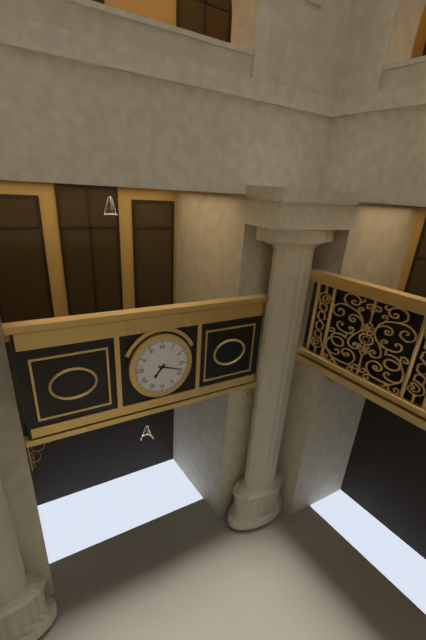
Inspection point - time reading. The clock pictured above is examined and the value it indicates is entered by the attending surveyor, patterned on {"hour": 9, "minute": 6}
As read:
{"hour": 7, "minute": 18}
